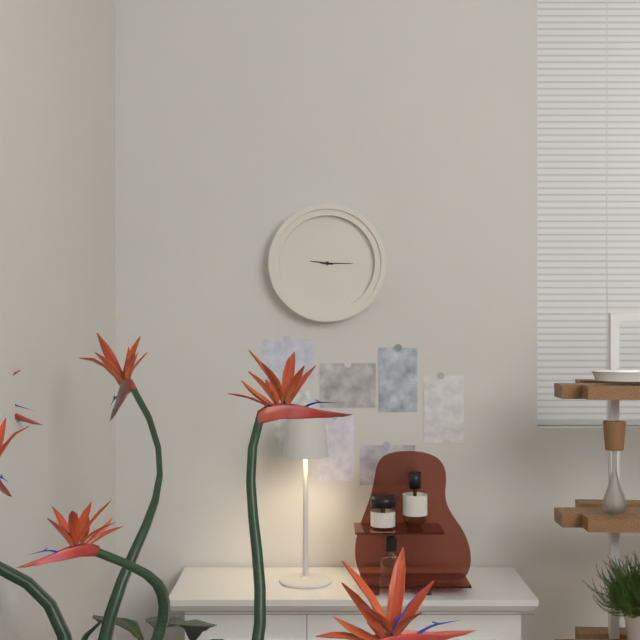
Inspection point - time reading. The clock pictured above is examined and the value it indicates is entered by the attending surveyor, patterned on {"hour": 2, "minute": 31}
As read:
{"hour": 9, "minute": 15}
